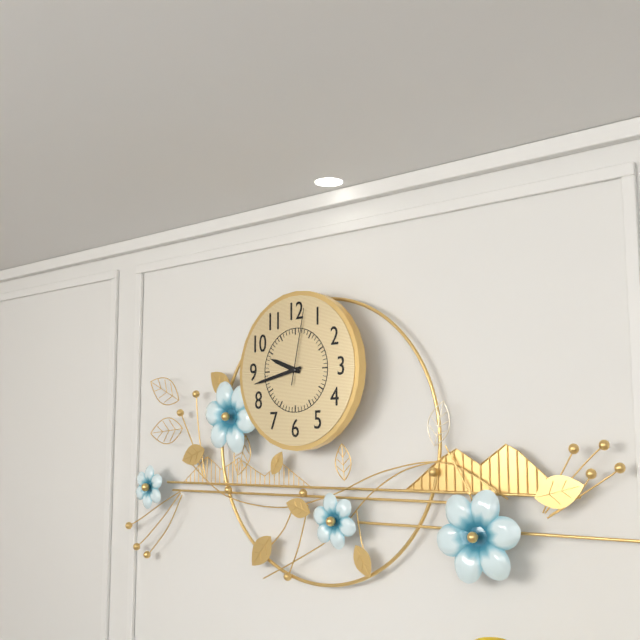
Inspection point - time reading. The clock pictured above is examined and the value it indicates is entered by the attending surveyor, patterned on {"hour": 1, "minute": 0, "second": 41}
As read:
{"hour": 9, "minute": 43, "second": 2}
